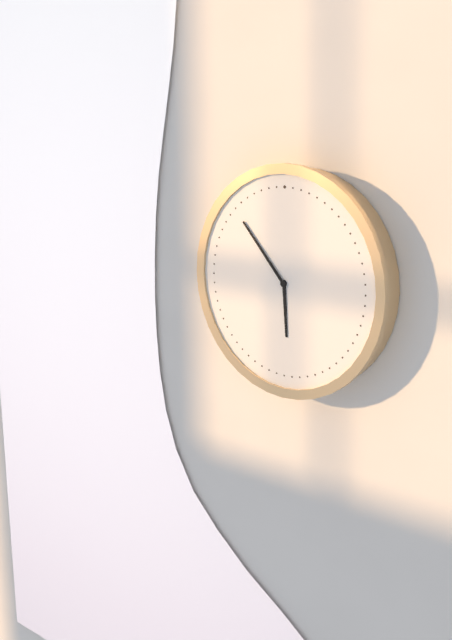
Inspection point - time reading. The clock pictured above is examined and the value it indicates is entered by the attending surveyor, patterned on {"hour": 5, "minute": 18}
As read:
{"hour": 5, "minute": 53}
